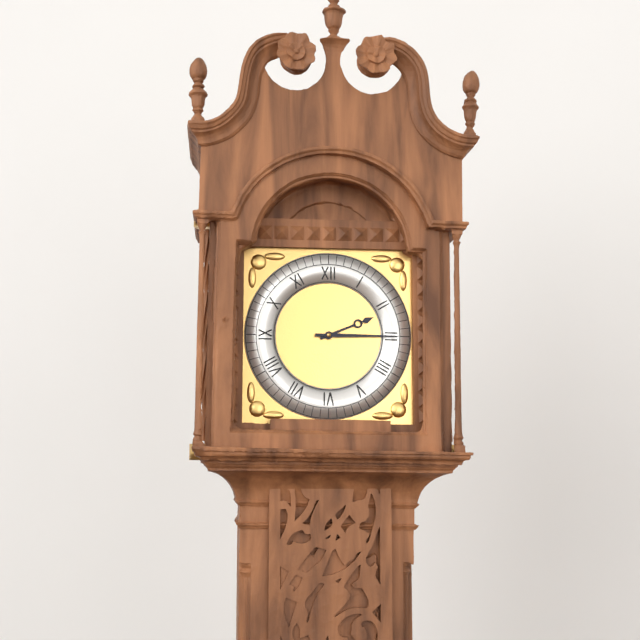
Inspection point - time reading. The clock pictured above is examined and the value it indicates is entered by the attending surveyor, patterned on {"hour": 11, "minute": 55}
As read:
{"hour": 2, "minute": 15}
